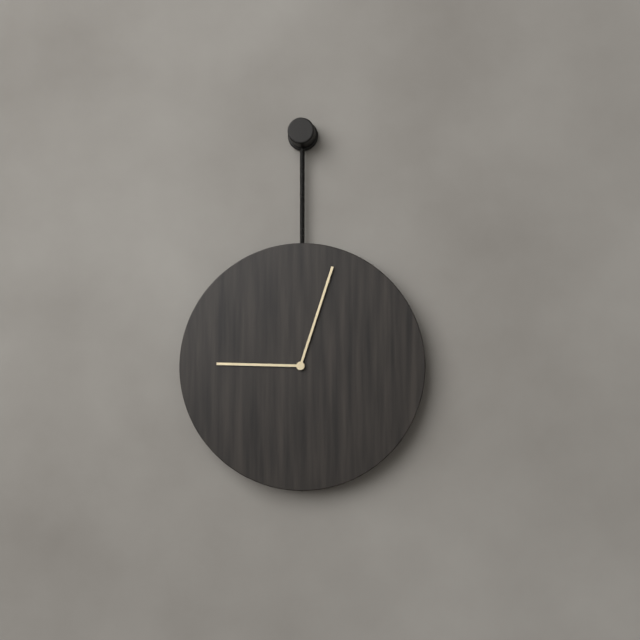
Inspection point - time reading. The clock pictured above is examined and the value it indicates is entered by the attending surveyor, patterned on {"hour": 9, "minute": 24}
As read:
{"hour": 9, "minute": 3}
